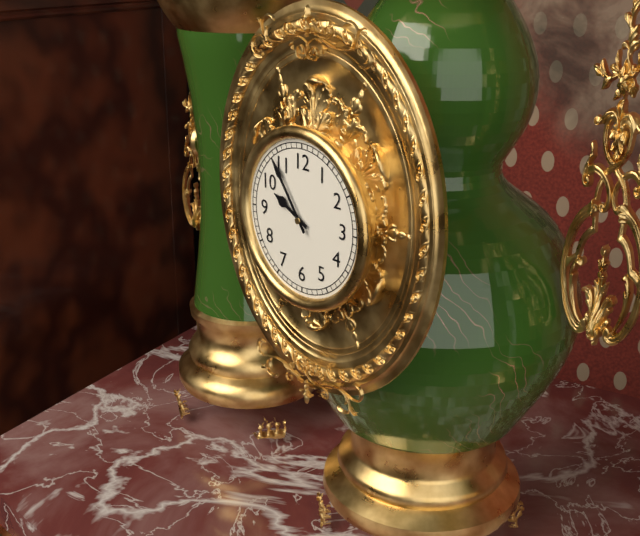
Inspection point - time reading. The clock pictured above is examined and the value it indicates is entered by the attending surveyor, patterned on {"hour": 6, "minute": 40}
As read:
{"hour": 9, "minute": 54}
